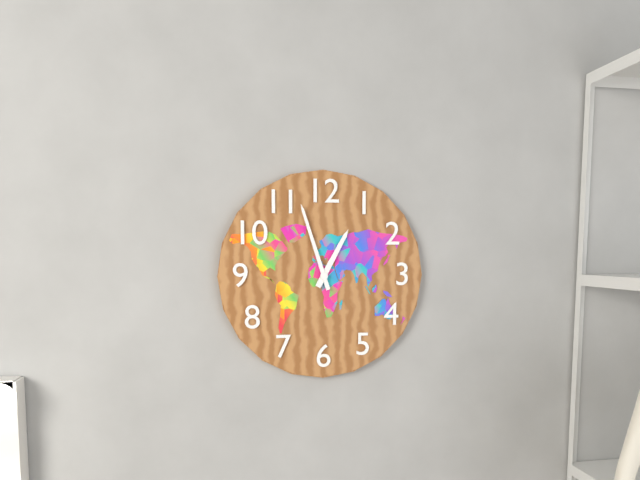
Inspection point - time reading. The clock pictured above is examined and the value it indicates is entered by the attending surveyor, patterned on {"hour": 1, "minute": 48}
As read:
{"hour": 12, "minute": 57}
